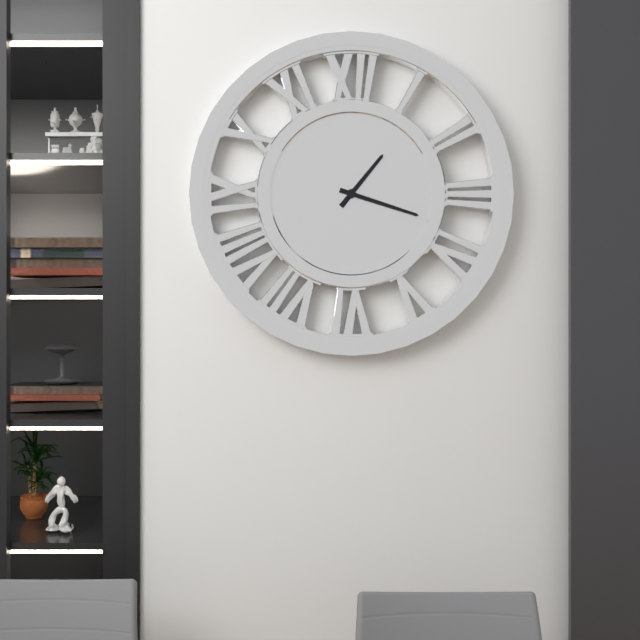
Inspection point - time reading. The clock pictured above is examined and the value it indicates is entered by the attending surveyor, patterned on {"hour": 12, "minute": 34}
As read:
{"hour": 1, "minute": 18}
